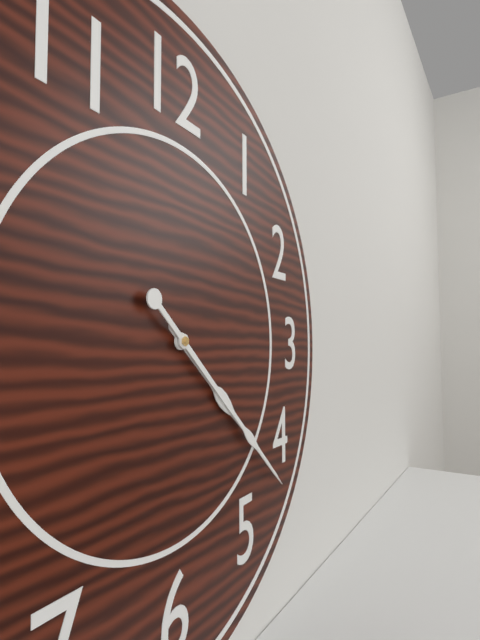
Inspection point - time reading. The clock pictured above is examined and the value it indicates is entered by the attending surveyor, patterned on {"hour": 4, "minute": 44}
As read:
{"hour": 4, "minute": 22}
